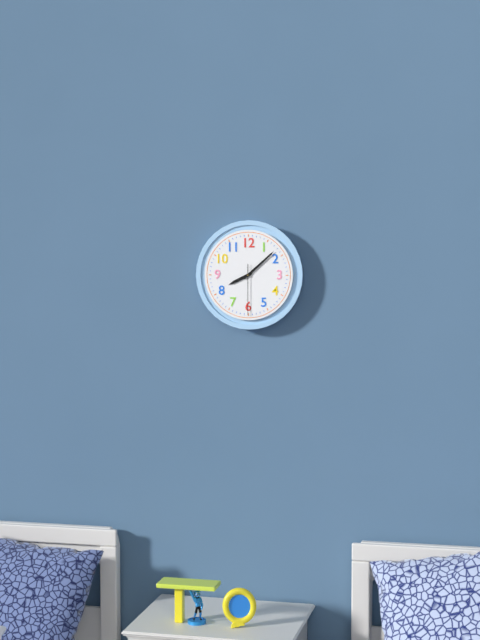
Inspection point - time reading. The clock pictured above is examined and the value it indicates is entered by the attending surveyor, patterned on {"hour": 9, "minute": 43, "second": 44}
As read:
{"hour": 8, "minute": 8, "second": 30}
